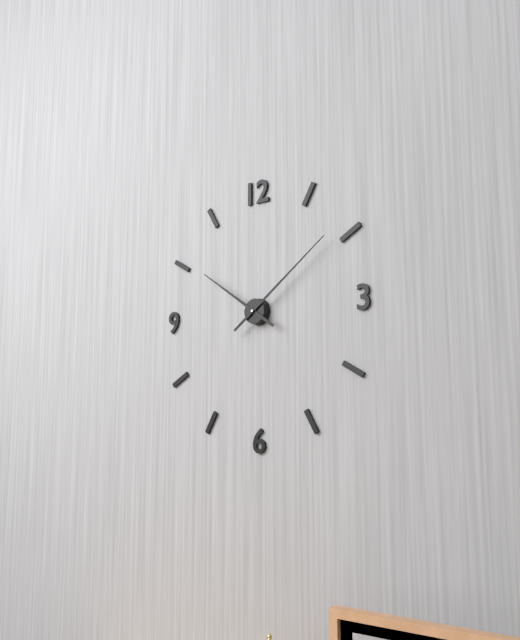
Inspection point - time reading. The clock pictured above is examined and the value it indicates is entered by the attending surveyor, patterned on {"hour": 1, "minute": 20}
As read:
{"hour": 10, "minute": 9}
